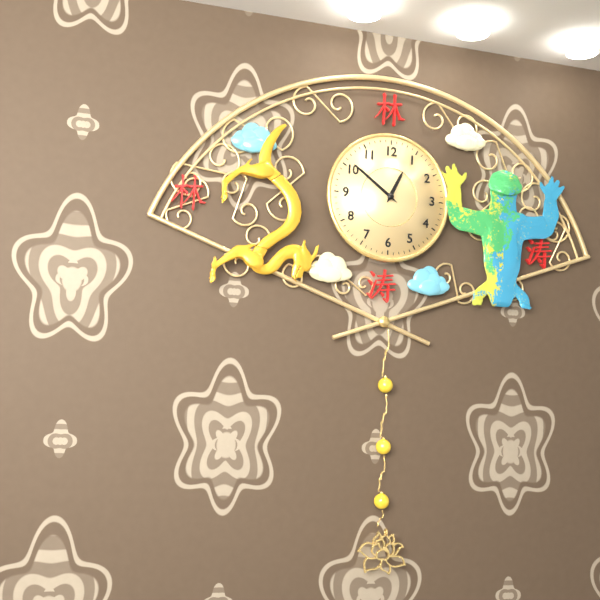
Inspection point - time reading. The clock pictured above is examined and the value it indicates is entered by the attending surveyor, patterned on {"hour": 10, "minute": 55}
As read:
{"hour": 12, "minute": 51}
